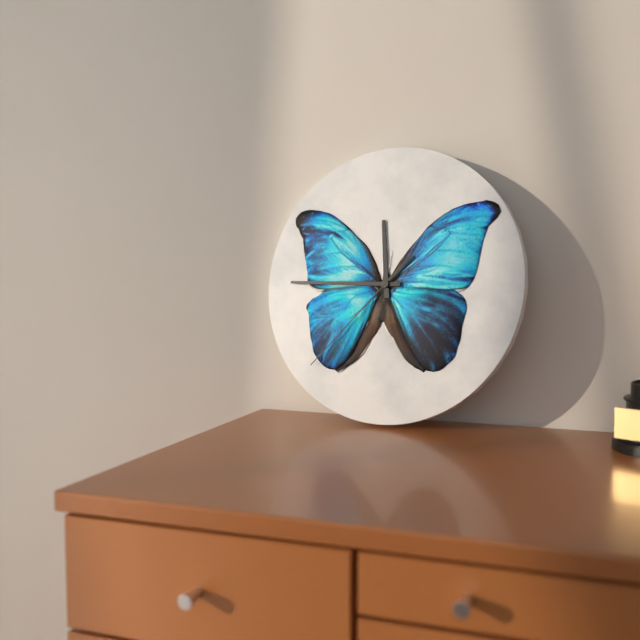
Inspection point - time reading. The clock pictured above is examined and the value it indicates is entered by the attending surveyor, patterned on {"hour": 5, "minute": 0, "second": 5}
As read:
{"hour": 11, "minute": 45, "second": 37}
